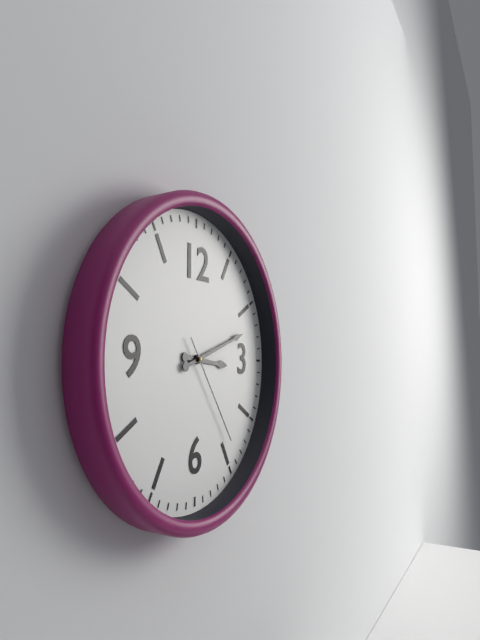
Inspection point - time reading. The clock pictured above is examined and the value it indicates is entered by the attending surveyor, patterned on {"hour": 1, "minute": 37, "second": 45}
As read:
{"hour": 3, "minute": 12, "second": 24}
